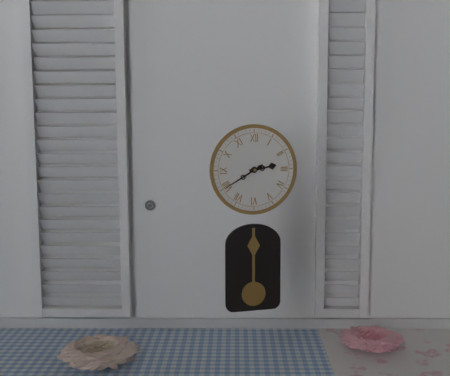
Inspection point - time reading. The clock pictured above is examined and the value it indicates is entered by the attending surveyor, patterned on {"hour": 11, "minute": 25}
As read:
{"hour": 2, "minute": 40}
